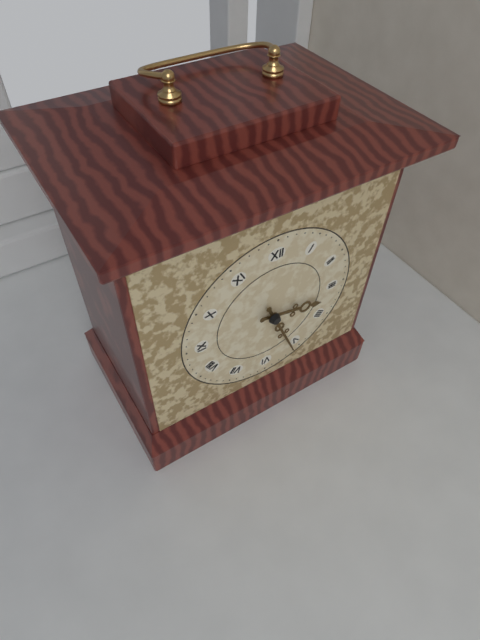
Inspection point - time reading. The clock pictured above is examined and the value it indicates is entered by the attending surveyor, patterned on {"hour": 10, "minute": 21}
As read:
{"hour": 3, "minute": 26}
